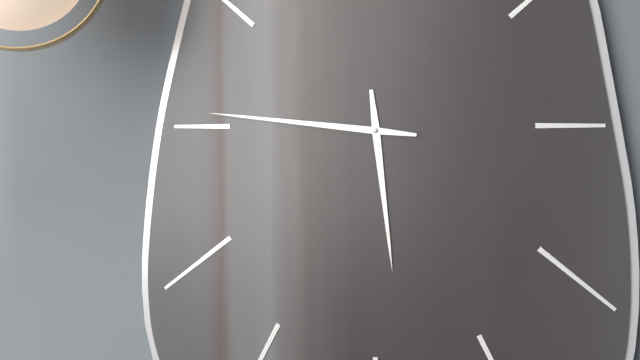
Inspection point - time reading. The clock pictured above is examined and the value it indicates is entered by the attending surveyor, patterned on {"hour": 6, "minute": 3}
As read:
{"hour": 5, "minute": 46}
